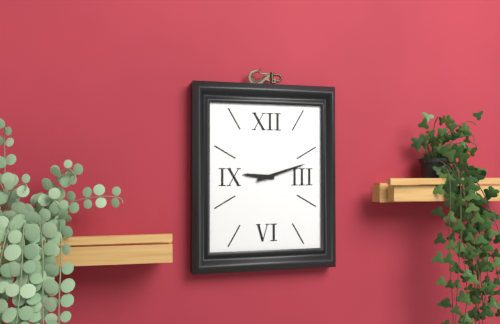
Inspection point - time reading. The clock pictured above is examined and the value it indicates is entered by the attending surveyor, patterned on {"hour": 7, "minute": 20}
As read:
{"hour": 9, "minute": 12}
